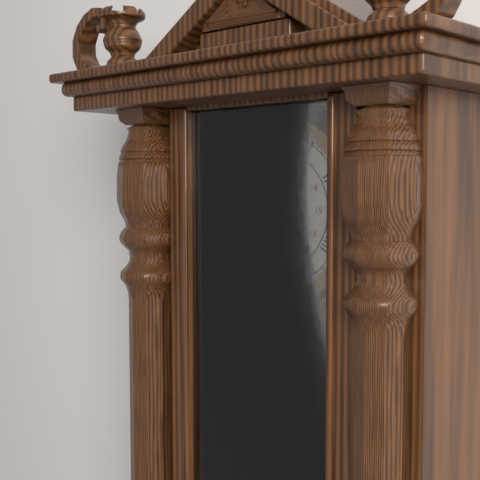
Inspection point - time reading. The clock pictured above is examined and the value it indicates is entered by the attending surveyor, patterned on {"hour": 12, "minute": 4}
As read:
{"hour": 10, "minute": 24}
